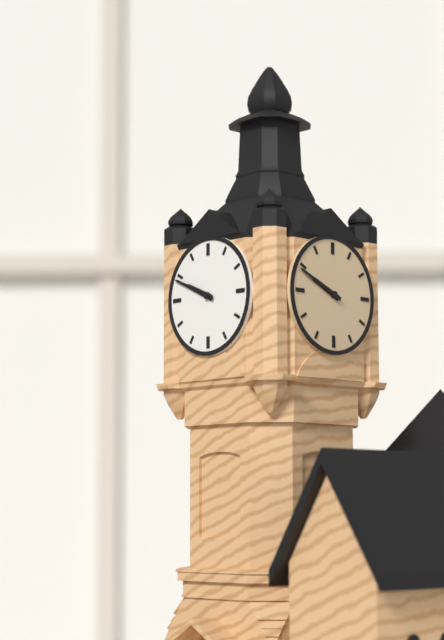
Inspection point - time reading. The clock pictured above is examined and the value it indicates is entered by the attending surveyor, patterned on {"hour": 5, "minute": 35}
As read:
{"hour": 9, "minute": 49}
